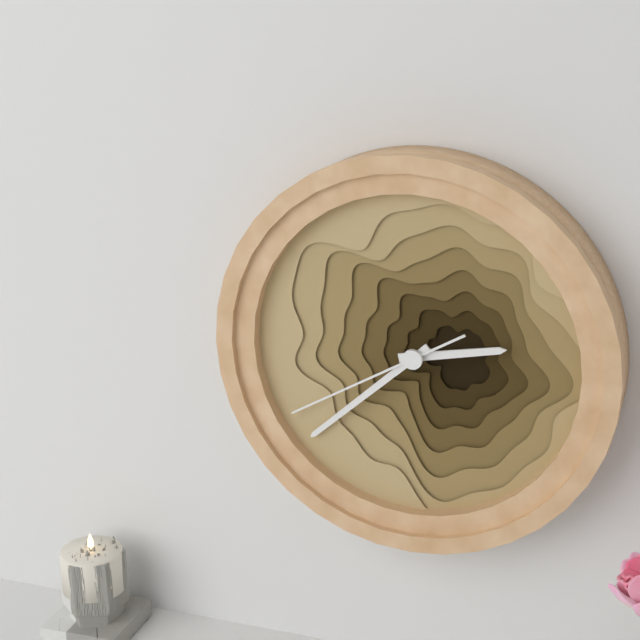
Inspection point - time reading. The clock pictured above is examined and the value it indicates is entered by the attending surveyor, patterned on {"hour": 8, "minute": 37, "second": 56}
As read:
{"hour": 2, "minute": 38, "second": 40}
